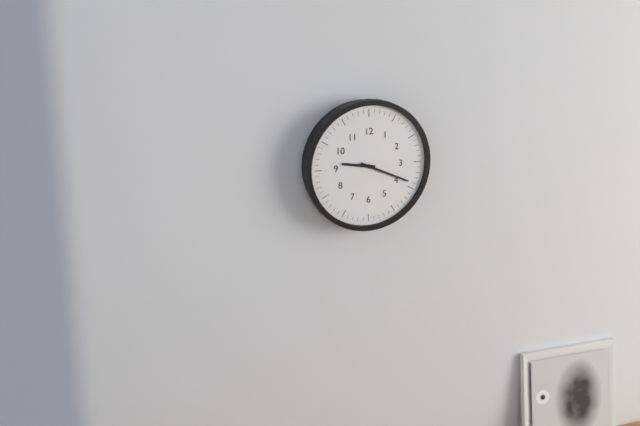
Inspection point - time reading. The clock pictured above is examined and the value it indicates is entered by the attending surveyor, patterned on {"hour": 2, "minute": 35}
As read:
{"hour": 9, "minute": 19}
